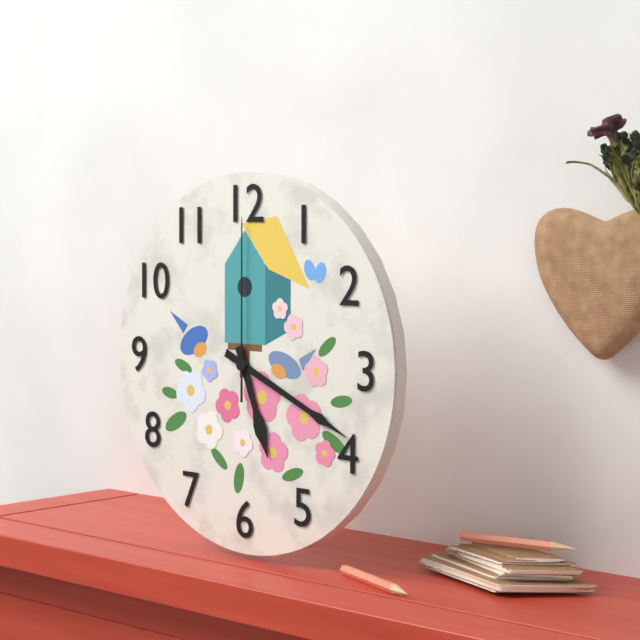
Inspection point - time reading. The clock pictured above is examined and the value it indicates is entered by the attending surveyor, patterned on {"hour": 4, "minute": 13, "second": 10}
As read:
{"hour": 5, "minute": 19, "second": 0}
